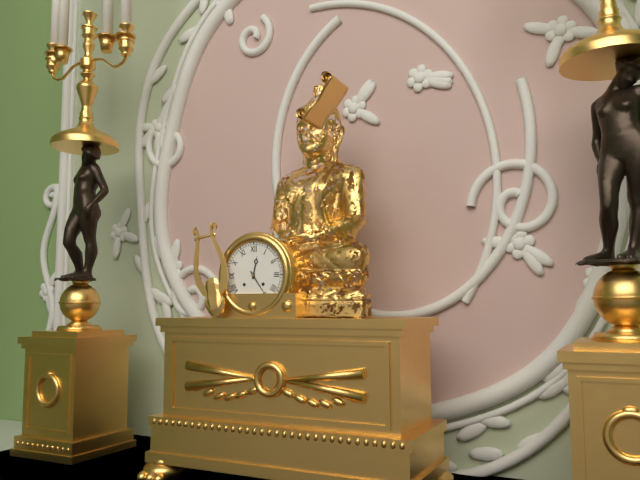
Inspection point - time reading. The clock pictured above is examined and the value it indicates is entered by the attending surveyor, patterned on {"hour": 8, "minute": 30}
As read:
{"hour": 12, "minute": 24}
